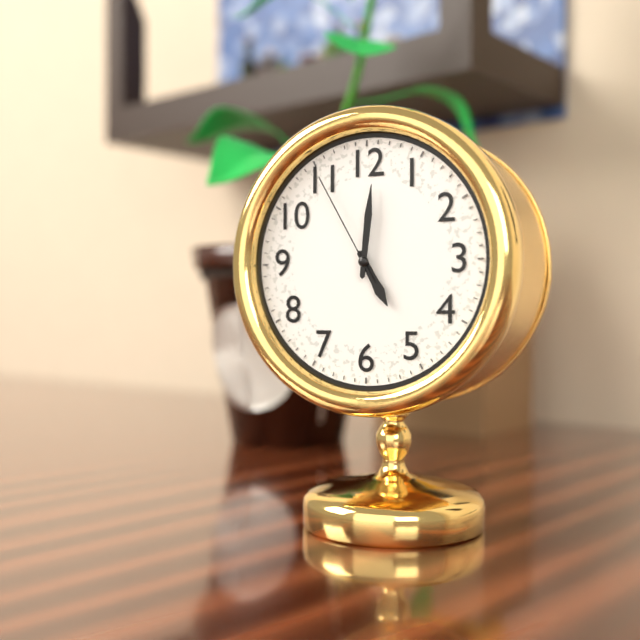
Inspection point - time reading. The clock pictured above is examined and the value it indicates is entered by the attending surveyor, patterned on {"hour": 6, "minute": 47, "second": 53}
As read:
{"hour": 5, "minute": 1, "second": 55}
